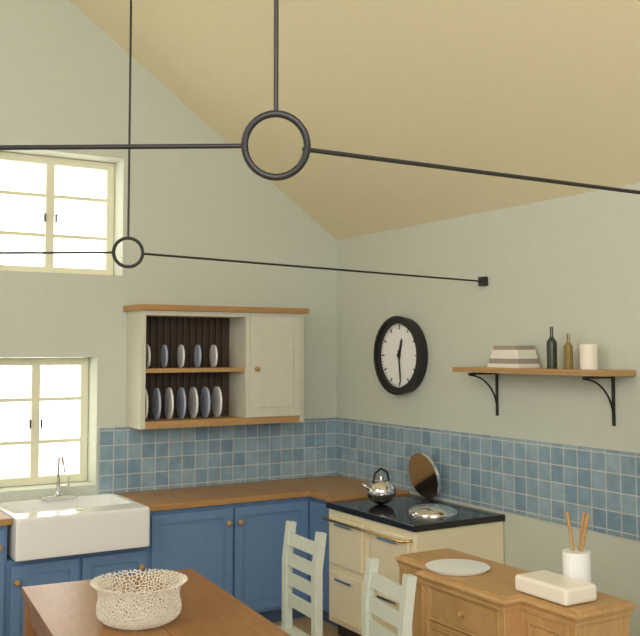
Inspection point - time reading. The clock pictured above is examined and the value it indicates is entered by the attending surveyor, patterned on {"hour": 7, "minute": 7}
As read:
{"hour": 12, "minute": 29}
